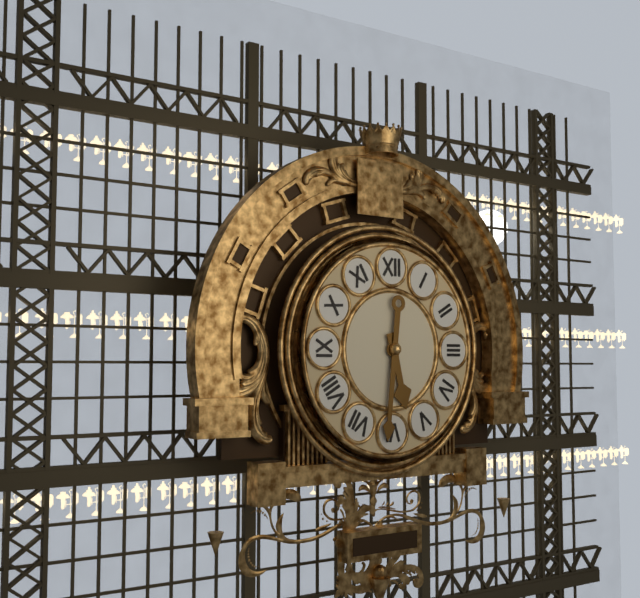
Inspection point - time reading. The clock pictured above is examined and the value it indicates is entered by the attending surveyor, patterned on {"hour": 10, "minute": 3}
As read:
{"hour": 5, "minute": 31}
